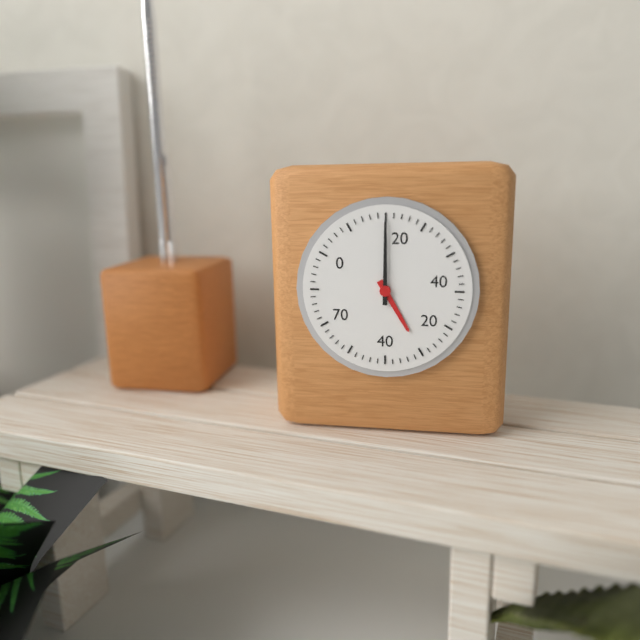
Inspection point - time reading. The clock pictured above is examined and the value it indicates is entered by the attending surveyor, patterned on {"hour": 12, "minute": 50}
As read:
{"hour": 5, "minute": 0}
